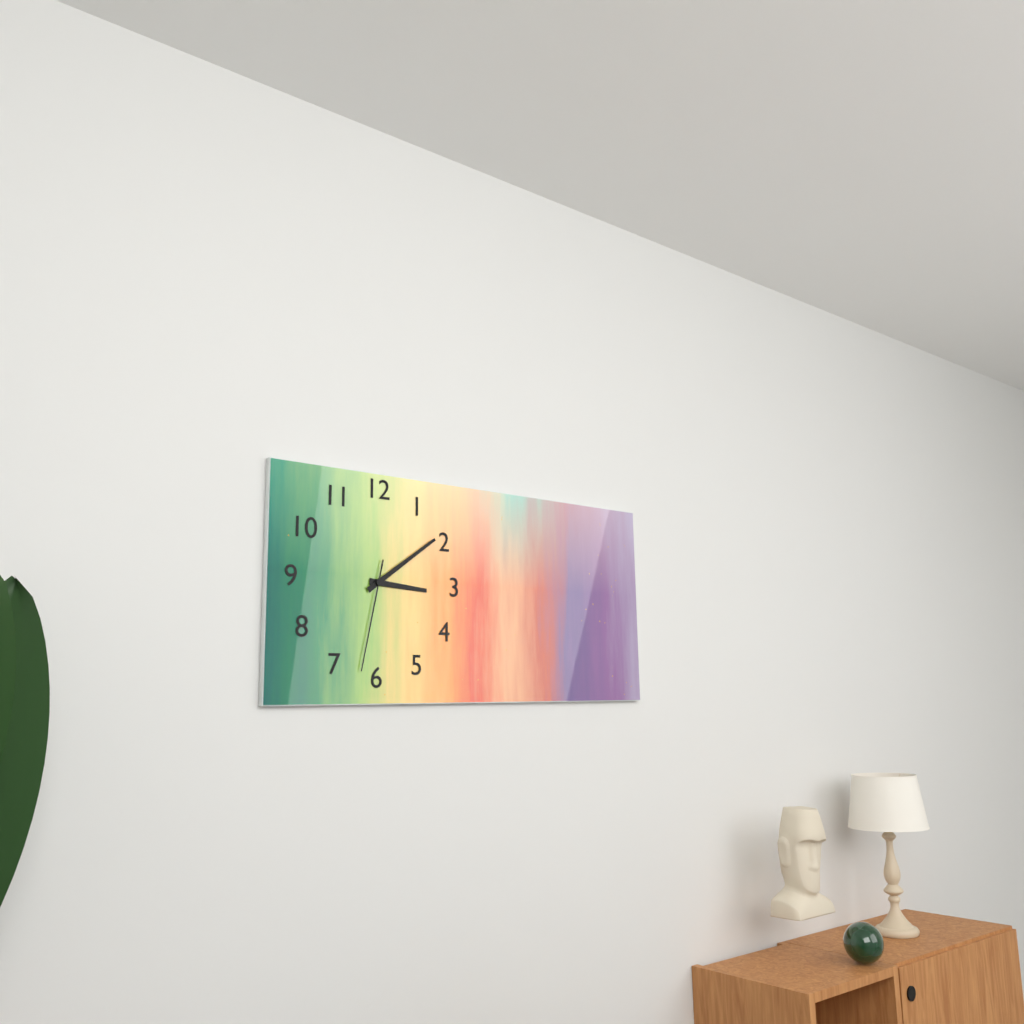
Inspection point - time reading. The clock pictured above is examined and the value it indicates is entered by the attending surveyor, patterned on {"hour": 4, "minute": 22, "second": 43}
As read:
{"hour": 3, "minute": 9, "second": 32}
